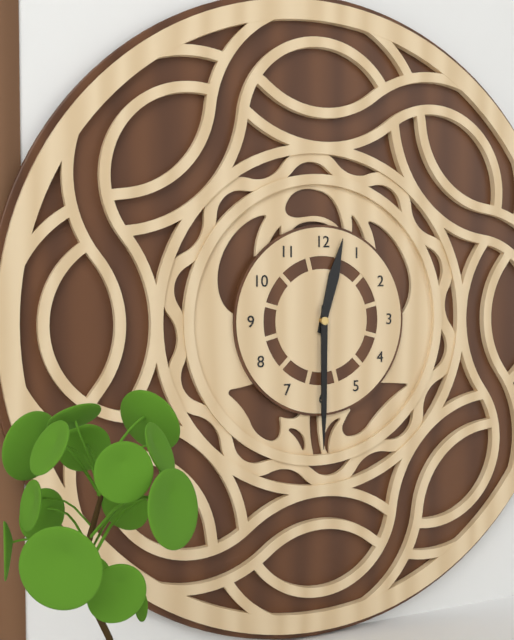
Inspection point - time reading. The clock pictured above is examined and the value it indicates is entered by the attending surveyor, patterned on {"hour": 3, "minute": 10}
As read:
{"hour": 12, "minute": 30}
